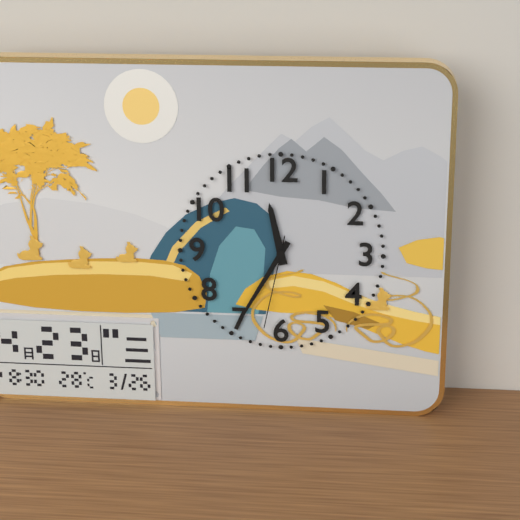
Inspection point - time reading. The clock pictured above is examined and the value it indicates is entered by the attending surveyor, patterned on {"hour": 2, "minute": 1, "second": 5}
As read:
{"hour": 11, "minute": 35, "second": 32}
